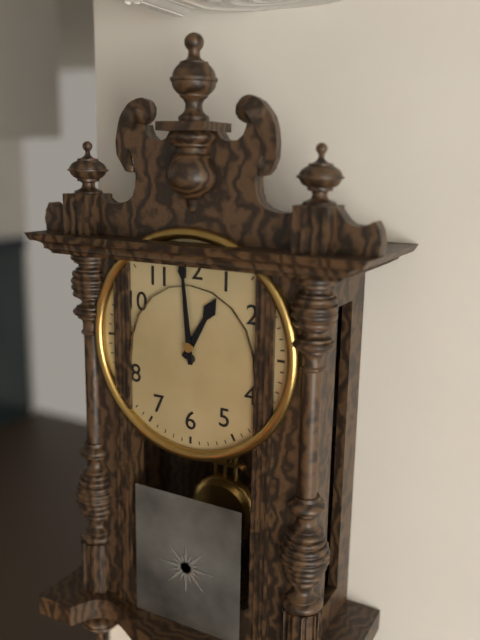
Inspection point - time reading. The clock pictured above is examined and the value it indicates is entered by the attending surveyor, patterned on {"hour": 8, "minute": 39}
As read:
{"hour": 12, "minute": 59}
